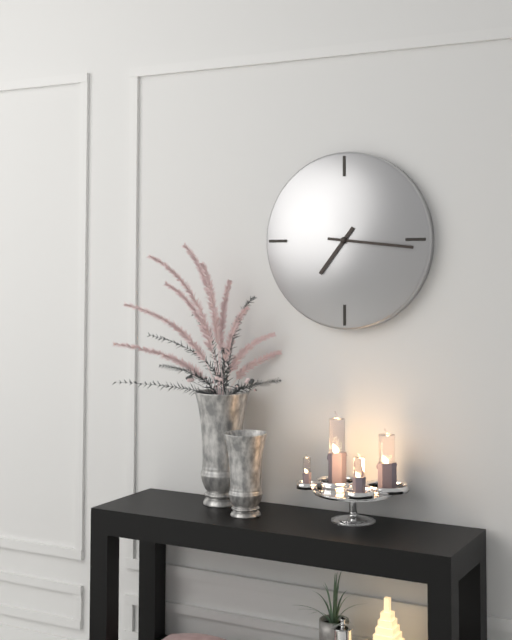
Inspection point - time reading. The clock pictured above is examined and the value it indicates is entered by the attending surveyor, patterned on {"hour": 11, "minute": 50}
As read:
{"hour": 7, "minute": 16}
